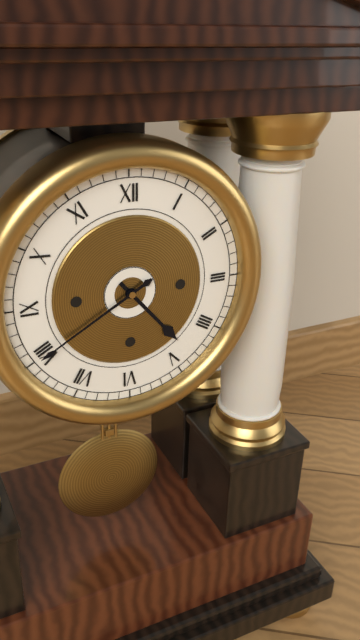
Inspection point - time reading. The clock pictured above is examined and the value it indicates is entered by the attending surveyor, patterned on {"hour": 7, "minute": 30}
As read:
{"hour": 4, "minute": 40}
